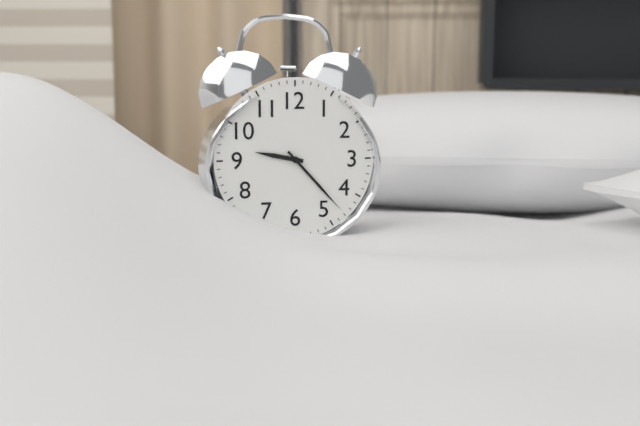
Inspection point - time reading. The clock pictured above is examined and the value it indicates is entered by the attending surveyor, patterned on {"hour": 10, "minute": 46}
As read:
{"hour": 9, "minute": 23}
